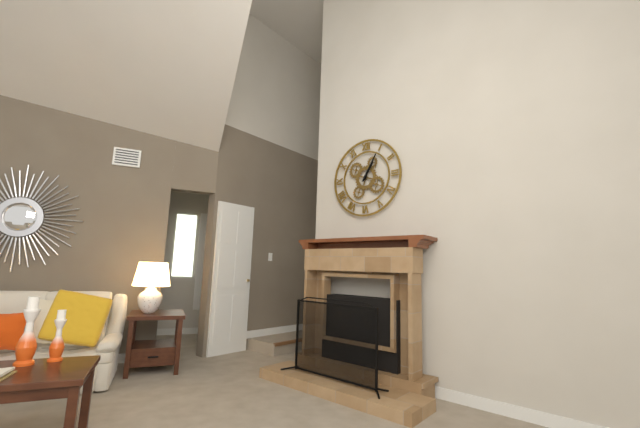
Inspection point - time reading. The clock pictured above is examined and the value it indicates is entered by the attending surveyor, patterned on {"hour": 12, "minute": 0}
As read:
{"hour": 1, "minute": 5}
